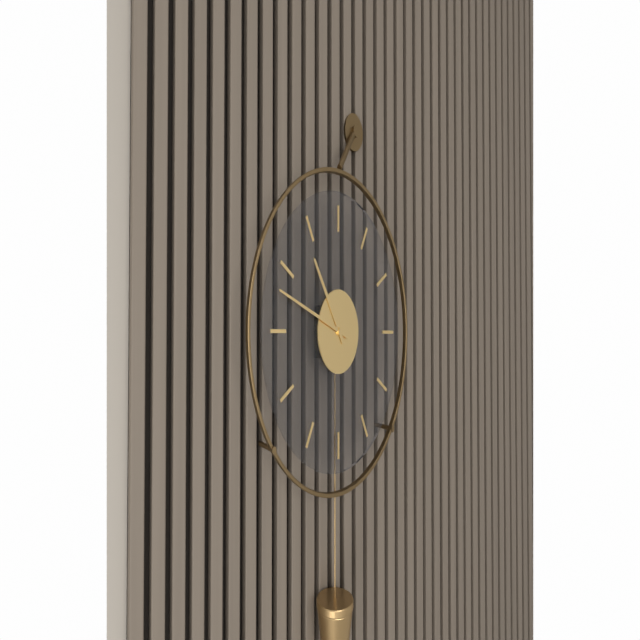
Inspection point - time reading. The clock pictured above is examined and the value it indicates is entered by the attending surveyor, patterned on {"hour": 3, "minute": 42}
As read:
{"hour": 10, "minute": 48}
